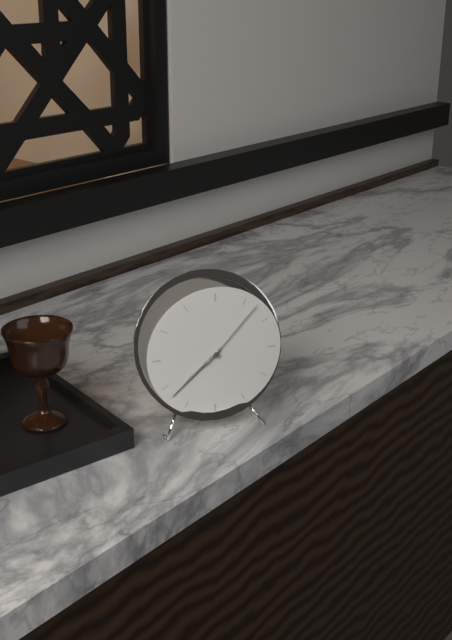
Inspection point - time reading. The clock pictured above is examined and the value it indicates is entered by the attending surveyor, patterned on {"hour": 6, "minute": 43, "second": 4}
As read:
{"hour": 7, "minute": 38, "second": 7}
